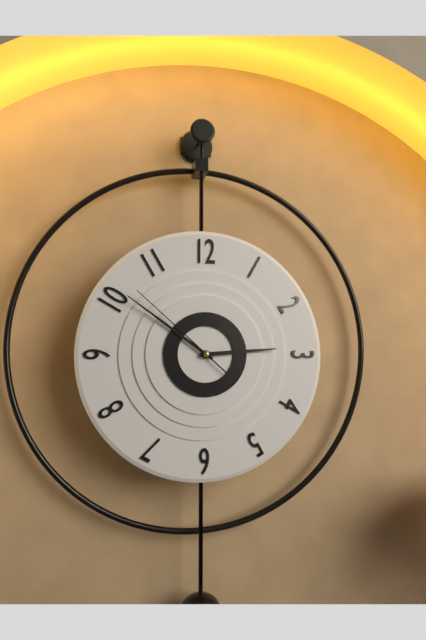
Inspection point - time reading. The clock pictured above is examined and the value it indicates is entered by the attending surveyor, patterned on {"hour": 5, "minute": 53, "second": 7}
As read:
{"hour": 2, "minute": 51, "second": 52}
